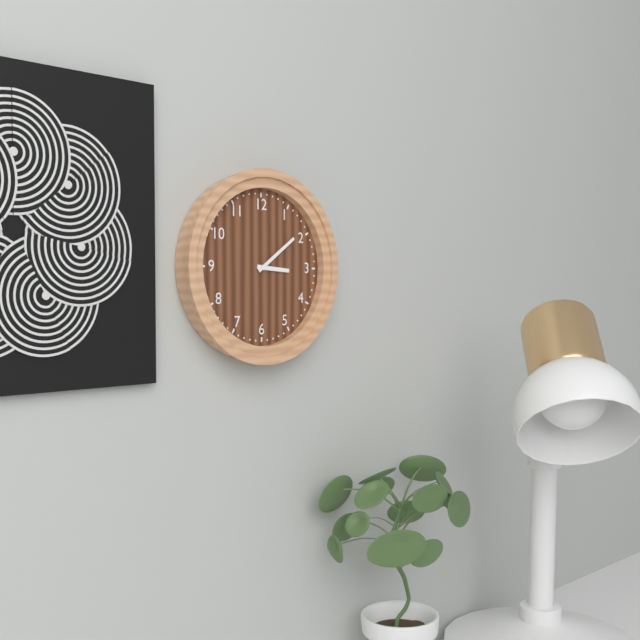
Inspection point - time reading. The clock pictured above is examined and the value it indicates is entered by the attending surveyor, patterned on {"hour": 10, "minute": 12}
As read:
{"hour": 3, "minute": 9}
